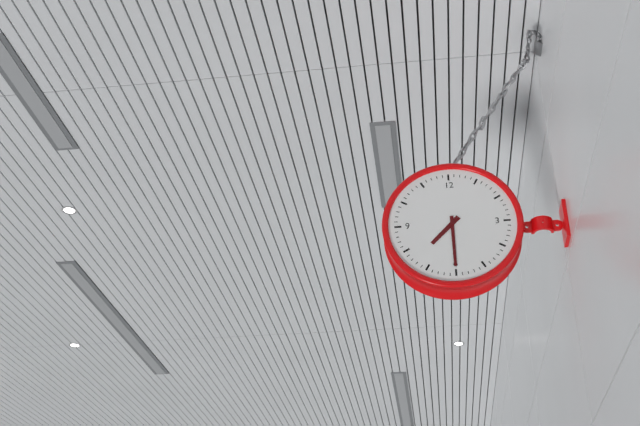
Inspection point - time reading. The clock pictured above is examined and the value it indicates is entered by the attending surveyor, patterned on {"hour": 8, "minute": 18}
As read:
{"hour": 7, "minute": 30}
